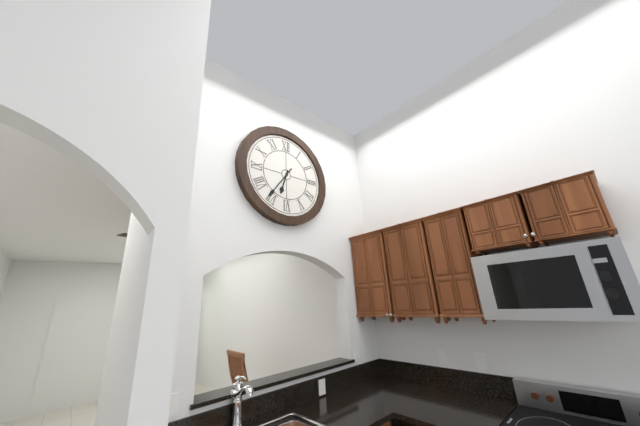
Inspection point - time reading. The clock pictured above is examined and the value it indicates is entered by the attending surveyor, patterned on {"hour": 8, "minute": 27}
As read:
{"hour": 6, "minute": 36}
